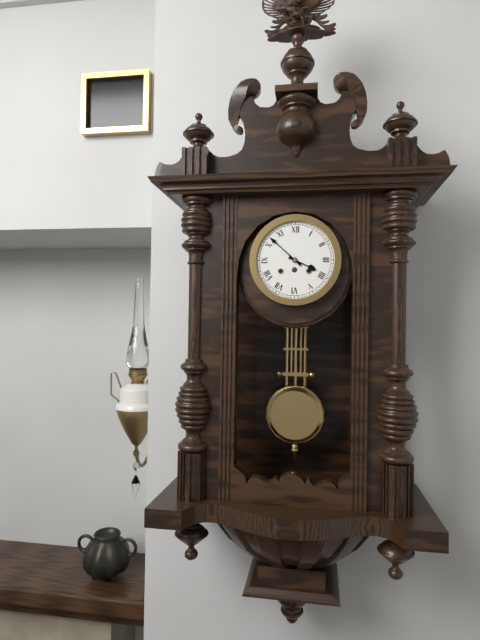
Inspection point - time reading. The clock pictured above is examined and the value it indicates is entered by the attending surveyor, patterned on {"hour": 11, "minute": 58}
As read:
{"hour": 3, "minute": 52}
